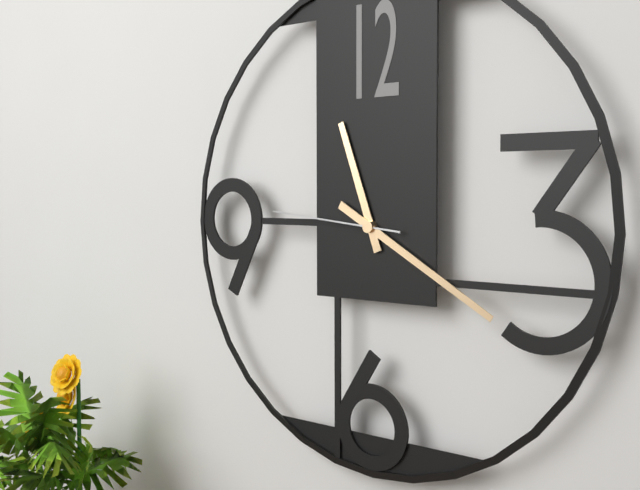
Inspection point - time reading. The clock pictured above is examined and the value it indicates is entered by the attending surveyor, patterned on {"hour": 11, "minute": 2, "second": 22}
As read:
{"hour": 11, "minute": 20, "second": 46}
